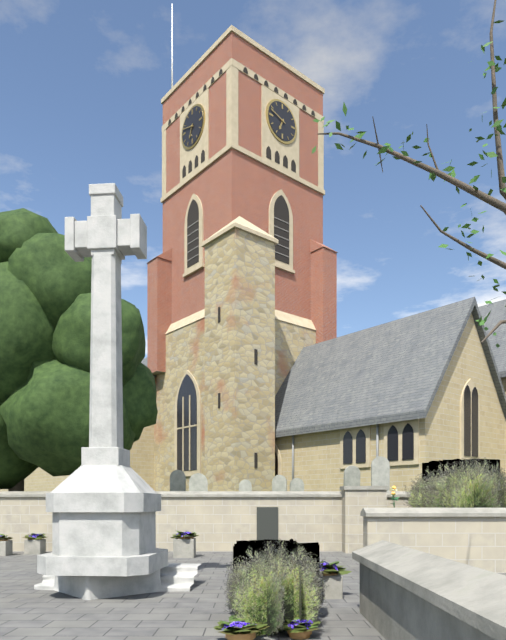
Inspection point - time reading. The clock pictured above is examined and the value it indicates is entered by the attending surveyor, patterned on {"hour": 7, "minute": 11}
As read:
{"hour": 6, "minute": 48}
